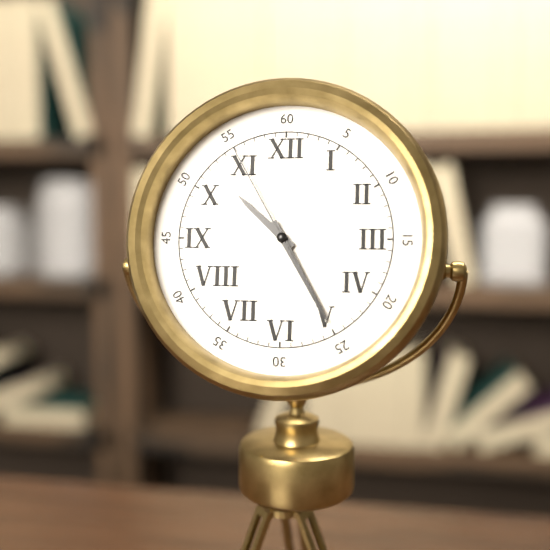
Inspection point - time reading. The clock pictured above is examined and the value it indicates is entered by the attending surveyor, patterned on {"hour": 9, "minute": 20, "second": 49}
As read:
{"hour": 10, "minute": 25, "second": 55}
